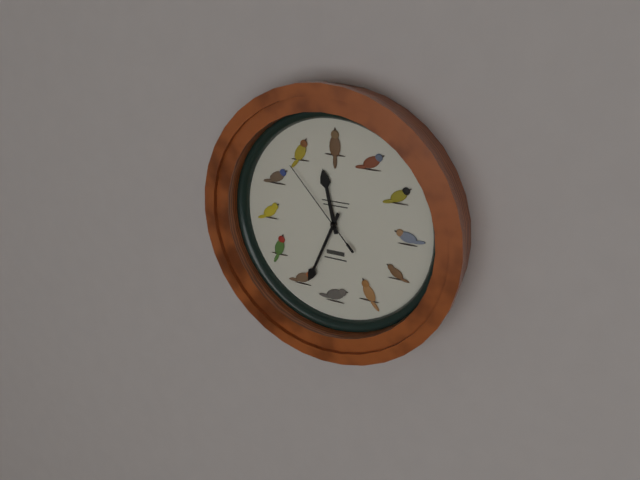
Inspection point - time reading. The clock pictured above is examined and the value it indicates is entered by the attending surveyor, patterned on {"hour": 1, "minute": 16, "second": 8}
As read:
{"hour": 11, "minute": 34, "second": 53}
